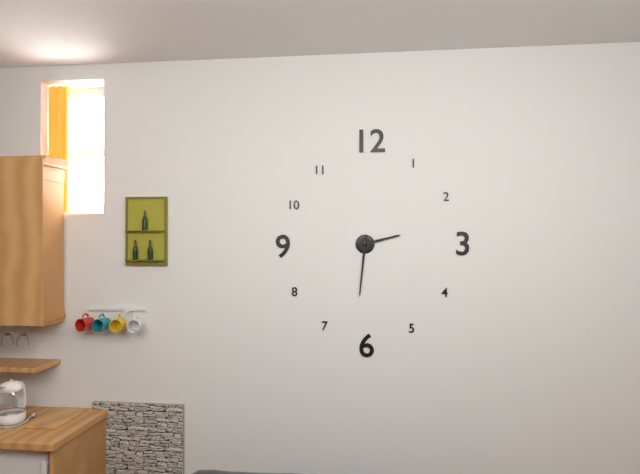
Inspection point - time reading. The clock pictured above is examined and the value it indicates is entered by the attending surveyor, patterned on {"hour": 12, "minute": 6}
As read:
{"hour": 2, "minute": 31}
